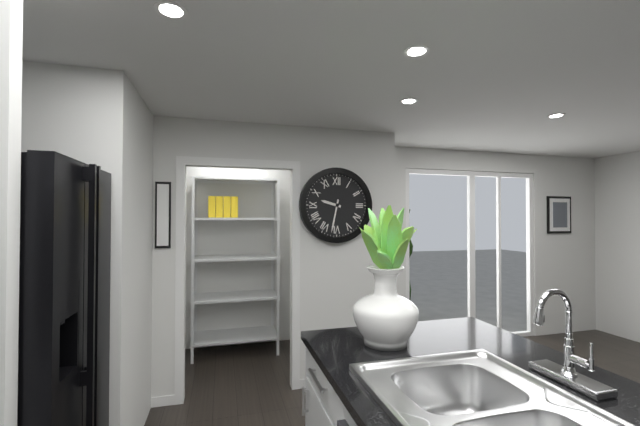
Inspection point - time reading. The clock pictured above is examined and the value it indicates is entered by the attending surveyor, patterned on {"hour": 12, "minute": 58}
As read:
{"hour": 9, "minute": 32}
